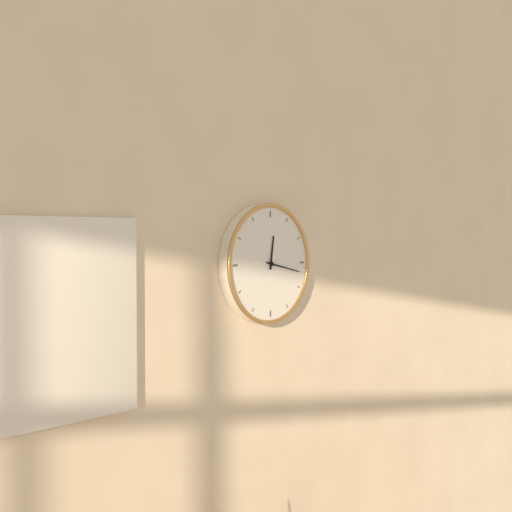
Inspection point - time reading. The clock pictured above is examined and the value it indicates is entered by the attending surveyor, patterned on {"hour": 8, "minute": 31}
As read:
{"hour": 12, "minute": 17}
